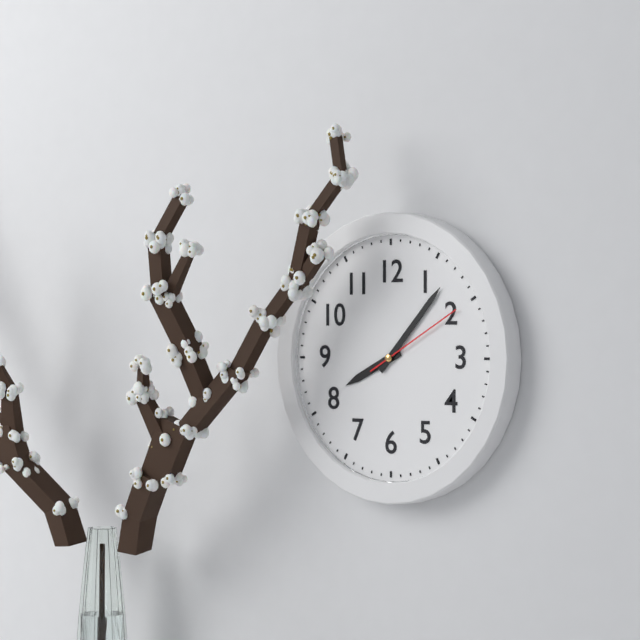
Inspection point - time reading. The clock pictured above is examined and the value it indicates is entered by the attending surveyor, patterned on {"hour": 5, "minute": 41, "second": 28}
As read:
{"hour": 8, "minute": 7, "second": 10}
